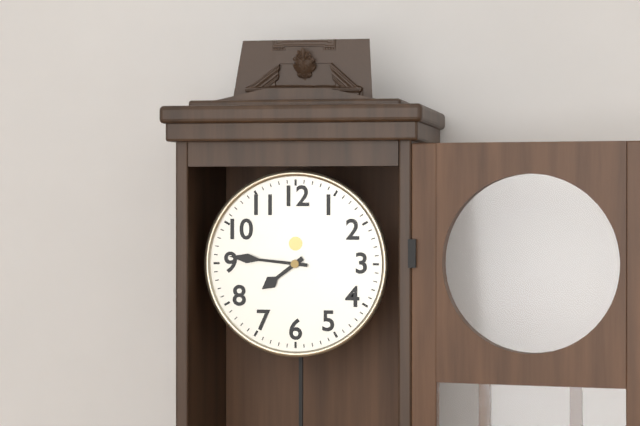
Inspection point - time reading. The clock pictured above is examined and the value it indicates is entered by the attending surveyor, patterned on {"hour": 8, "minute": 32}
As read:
{"hour": 7, "minute": 46}
